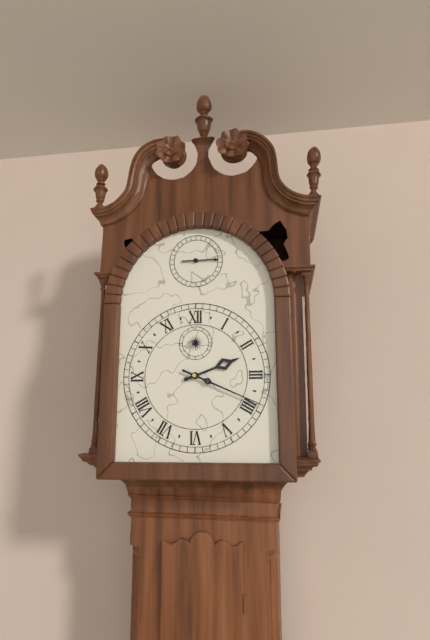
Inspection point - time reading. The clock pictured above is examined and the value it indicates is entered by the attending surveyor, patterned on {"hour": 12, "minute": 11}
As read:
{"hour": 2, "minute": 19}
